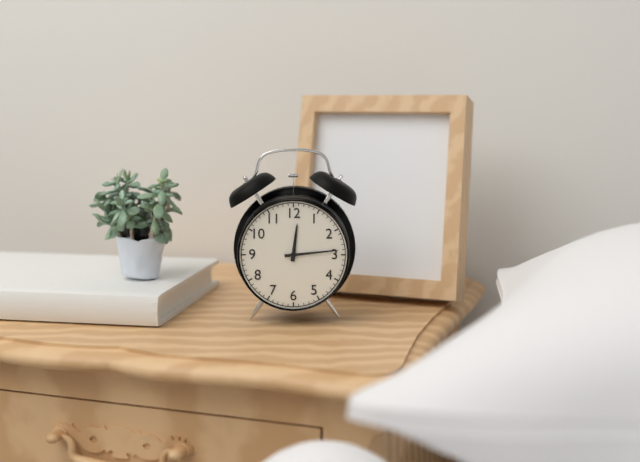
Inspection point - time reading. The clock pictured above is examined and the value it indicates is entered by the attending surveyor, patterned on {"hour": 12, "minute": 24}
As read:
{"hour": 12, "minute": 14}
